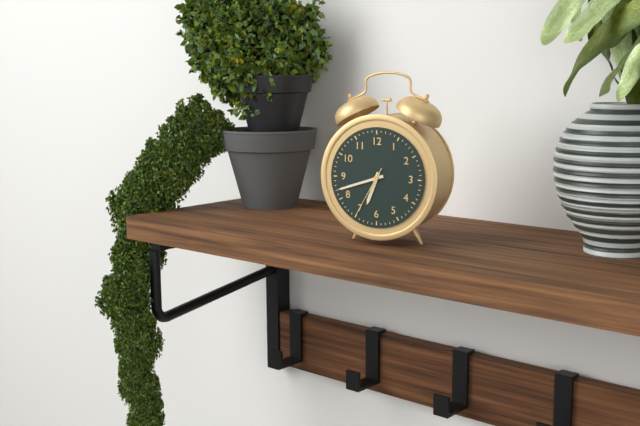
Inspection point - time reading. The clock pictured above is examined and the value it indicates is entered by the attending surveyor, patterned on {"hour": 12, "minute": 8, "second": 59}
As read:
{"hour": 6, "minute": 42, "second": 35}
